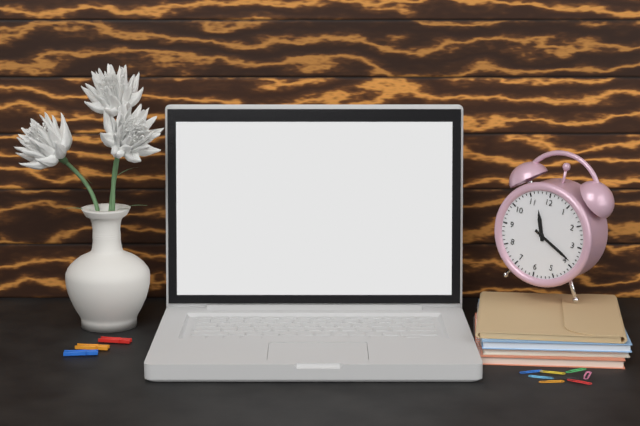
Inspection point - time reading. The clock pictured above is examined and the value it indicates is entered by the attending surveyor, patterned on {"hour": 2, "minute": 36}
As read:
{"hour": 11, "minute": 19}
